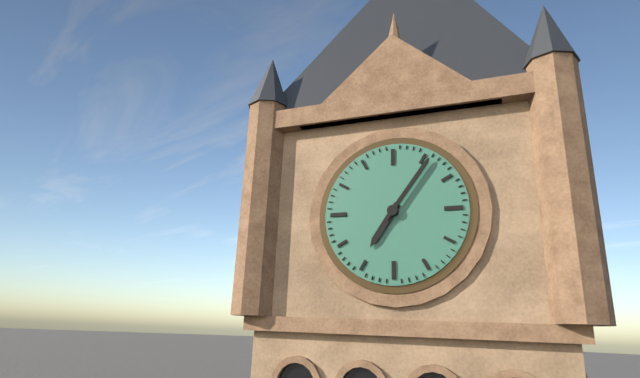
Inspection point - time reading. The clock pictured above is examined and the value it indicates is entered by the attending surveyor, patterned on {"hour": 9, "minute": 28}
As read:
{"hour": 7, "minute": 6}
